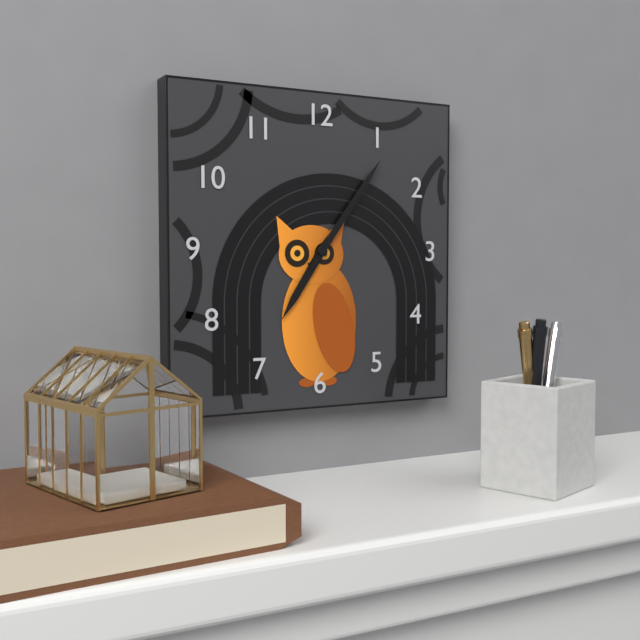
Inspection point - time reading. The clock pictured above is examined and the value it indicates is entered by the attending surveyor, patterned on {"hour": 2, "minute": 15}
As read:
{"hour": 7, "minute": 6}
